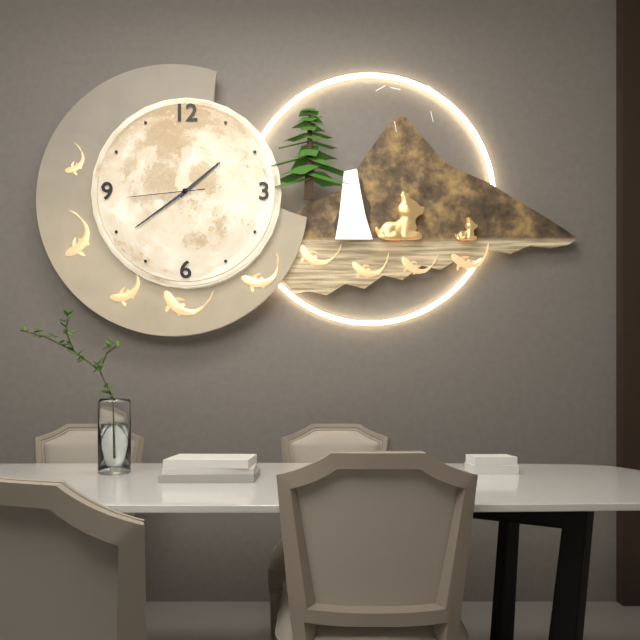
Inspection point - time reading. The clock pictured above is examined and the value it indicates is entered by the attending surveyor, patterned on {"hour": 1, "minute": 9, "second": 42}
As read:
{"hour": 1, "minute": 39, "second": 44}
